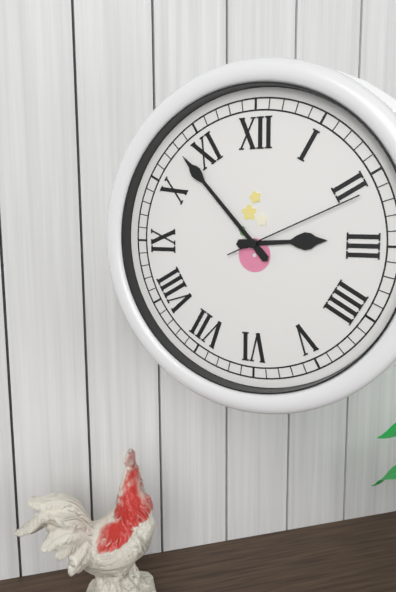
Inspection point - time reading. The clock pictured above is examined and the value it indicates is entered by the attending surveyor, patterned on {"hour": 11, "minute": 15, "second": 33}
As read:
{"hour": 2, "minute": 53, "second": 11}
